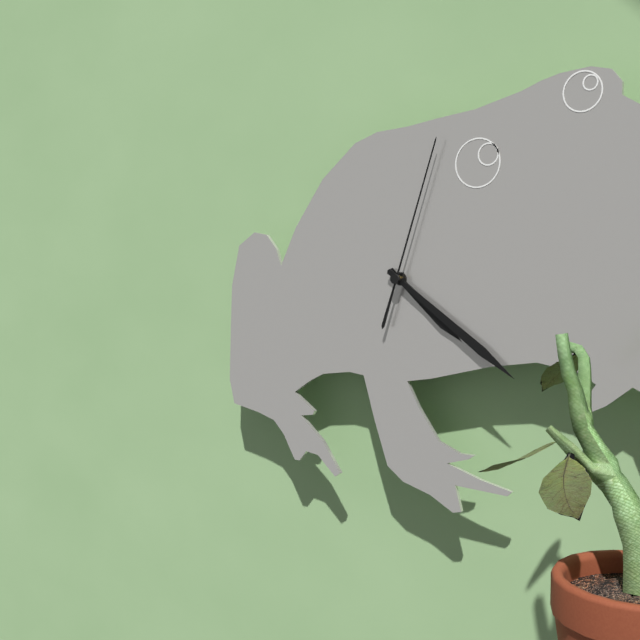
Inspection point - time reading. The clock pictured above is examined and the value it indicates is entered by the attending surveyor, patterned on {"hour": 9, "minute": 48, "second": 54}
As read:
{"hour": 4, "minute": 21, "second": 3}
